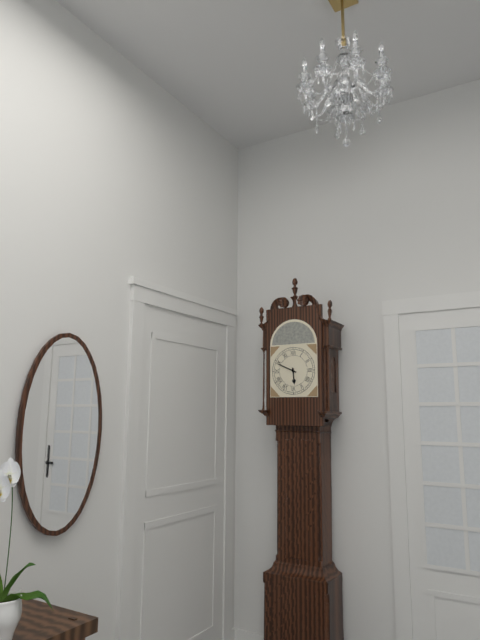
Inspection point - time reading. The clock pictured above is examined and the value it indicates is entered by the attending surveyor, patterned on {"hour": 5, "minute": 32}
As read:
{"hour": 5, "minute": 49}
